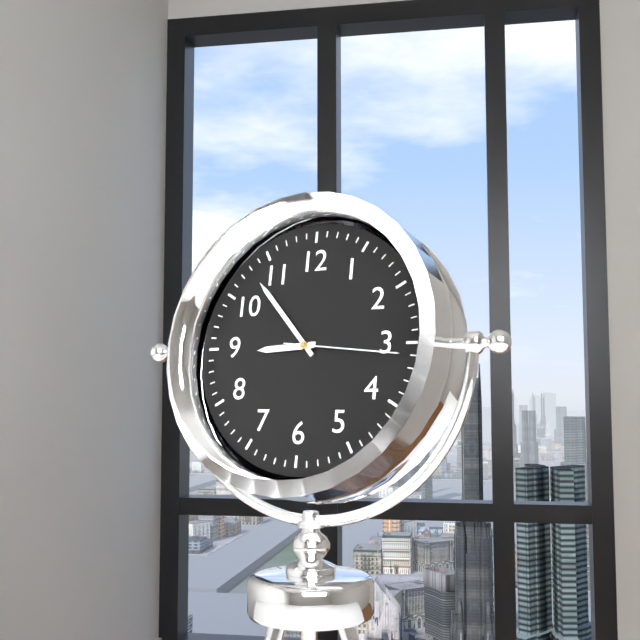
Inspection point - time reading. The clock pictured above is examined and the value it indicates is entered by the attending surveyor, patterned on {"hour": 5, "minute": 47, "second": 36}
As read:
{"hour": 8, "minute": 53, "second": 16}
